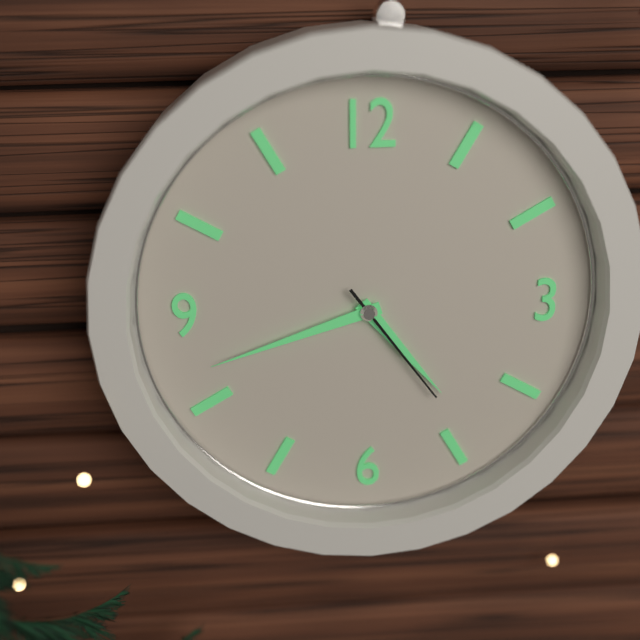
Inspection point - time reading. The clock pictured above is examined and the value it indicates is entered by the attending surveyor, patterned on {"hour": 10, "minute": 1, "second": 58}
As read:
{"hour": 4, "minute": 42, "second": 24}
